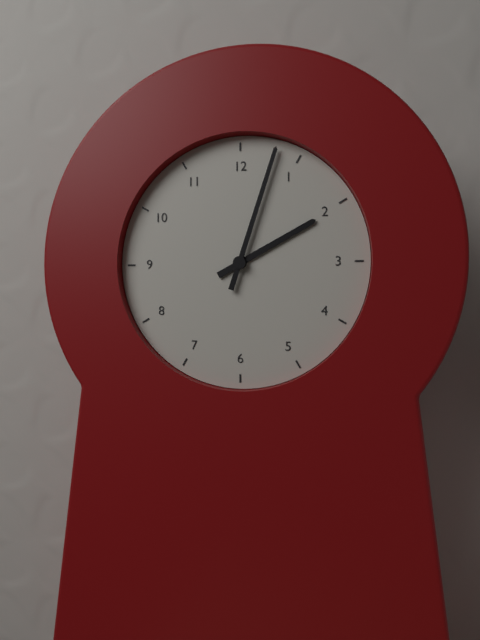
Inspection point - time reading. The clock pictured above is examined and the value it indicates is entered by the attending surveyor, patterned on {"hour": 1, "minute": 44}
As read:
{"hour": 2, "minute": 3}
